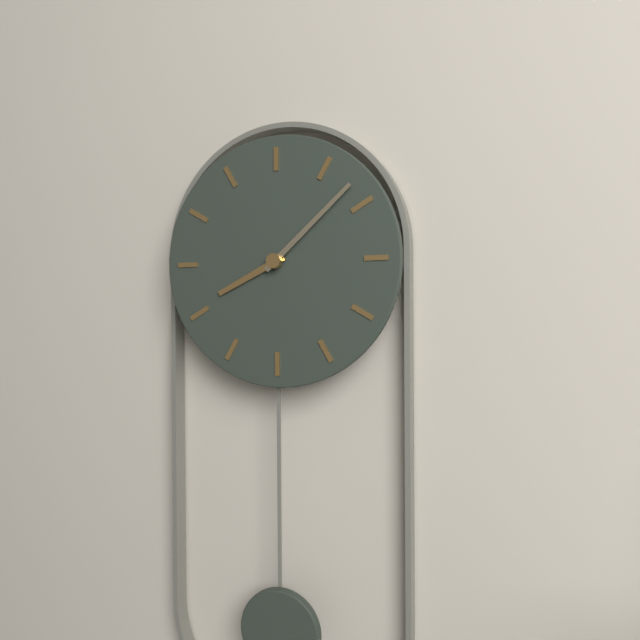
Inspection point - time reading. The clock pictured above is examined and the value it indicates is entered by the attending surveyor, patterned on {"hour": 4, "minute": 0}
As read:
{"hour": 8, "minute": 8}
